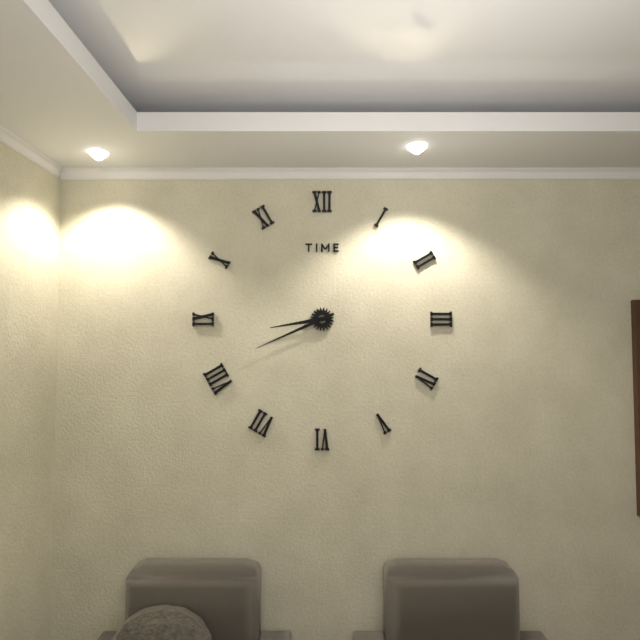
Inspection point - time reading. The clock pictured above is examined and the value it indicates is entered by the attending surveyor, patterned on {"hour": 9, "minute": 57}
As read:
{"hour": 8, "minute": 41}
